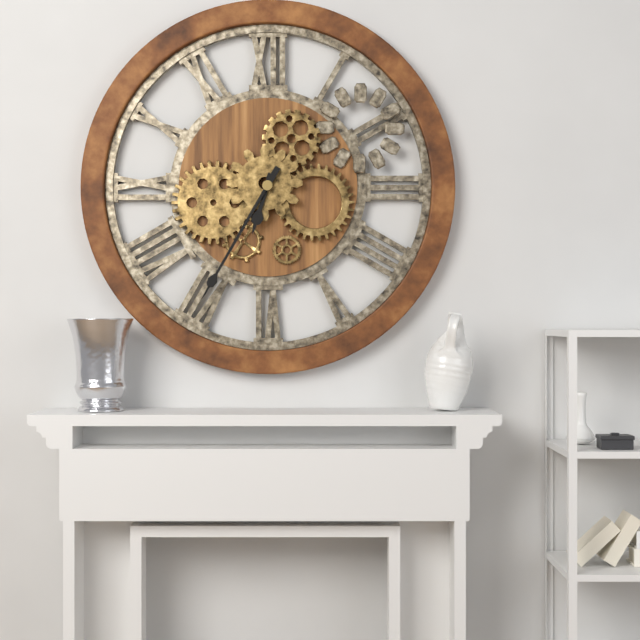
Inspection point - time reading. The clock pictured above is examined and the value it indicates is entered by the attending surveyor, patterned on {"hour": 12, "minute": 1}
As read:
{"hour": 6, "minute": 35}
